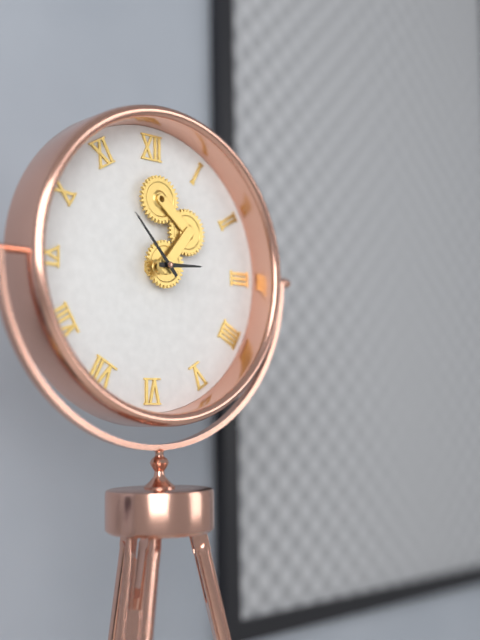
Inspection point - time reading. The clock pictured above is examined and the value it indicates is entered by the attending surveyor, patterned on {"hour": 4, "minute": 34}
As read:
{"hour": 2, "minute": 53}
